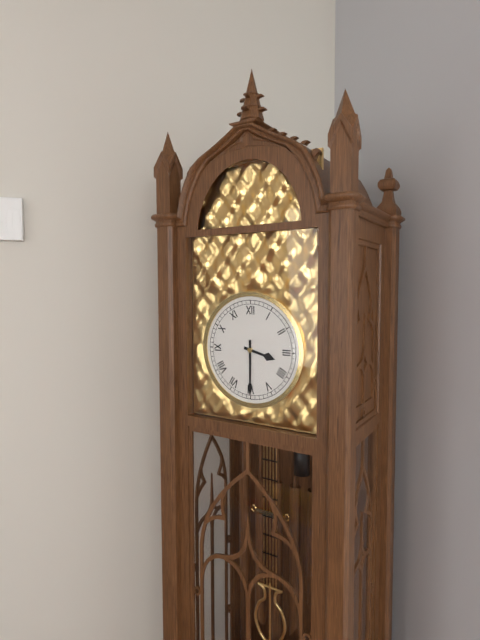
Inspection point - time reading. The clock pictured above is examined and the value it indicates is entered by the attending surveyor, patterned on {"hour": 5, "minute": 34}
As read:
{"hour": 3, "minute": 30}
